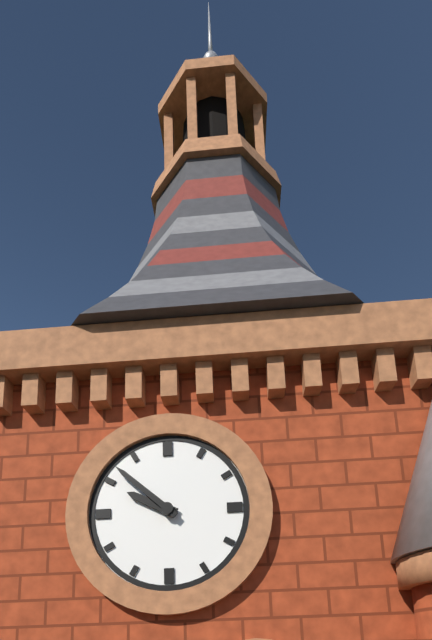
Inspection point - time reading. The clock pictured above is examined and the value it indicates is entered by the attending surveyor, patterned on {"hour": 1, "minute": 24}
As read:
{"hour": 9, "minute": 52}
